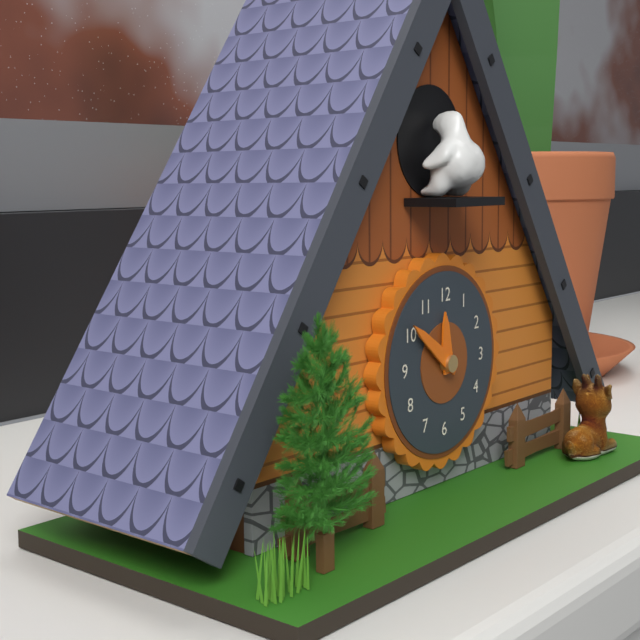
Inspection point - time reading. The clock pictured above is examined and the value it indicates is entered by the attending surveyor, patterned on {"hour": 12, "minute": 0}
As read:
{"hour": 11, "minute": 51}
